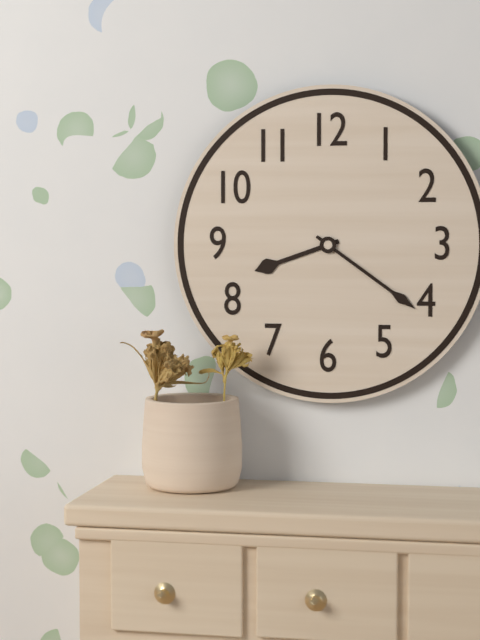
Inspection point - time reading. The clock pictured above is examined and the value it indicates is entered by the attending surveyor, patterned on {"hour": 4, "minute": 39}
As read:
{"hour": 8, "minute": 21}
